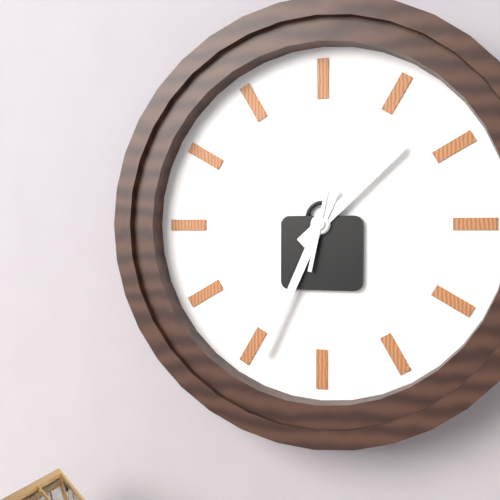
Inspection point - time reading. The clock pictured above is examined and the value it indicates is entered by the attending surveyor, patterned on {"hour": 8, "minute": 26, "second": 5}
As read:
{"hour": 1, "minute": 34, "second": 2}
